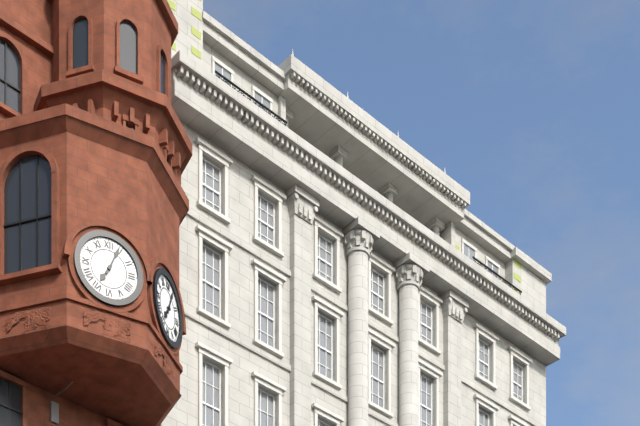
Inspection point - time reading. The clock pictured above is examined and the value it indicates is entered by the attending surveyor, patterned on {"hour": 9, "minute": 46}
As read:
{"hour": 7, "minute": 4}
